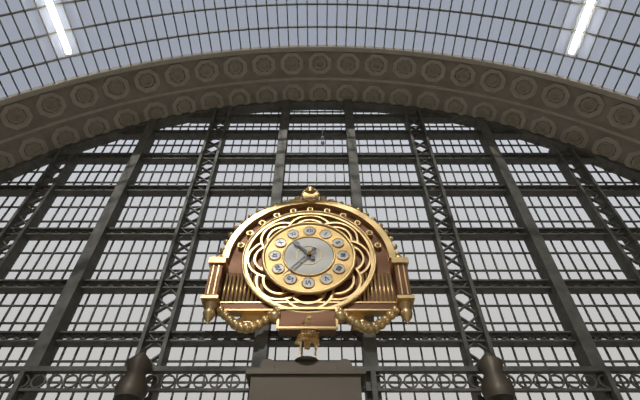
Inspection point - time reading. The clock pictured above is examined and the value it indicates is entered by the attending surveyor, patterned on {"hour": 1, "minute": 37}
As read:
{"hour": 10, "minute": 37}
